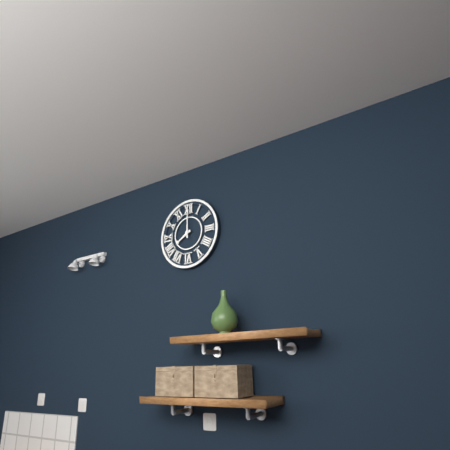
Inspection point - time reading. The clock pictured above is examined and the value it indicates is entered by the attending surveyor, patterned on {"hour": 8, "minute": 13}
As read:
{"hour": 8, "minute": 0}
